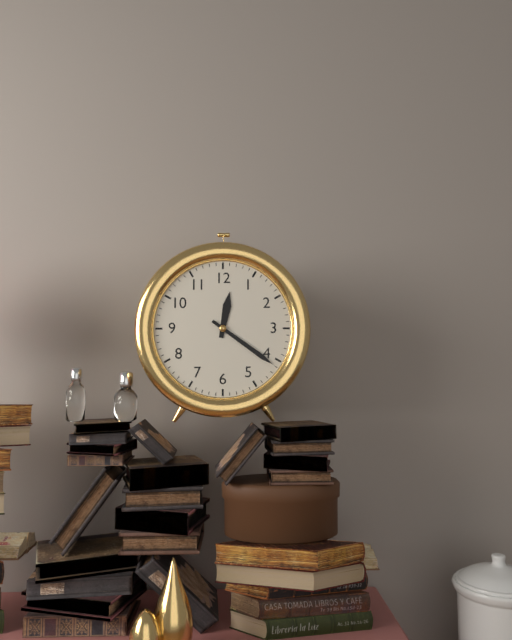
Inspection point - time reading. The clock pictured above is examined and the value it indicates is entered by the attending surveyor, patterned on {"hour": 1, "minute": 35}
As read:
{"hour": 12, "minute": 21}
